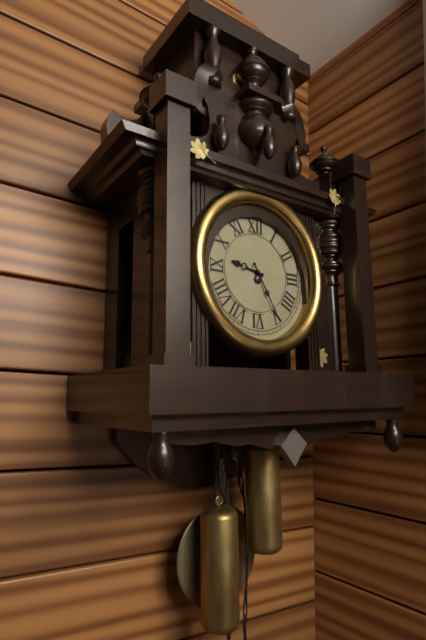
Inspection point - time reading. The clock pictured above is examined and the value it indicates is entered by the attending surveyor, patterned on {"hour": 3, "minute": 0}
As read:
{"hour": 9, "minute": 25}
